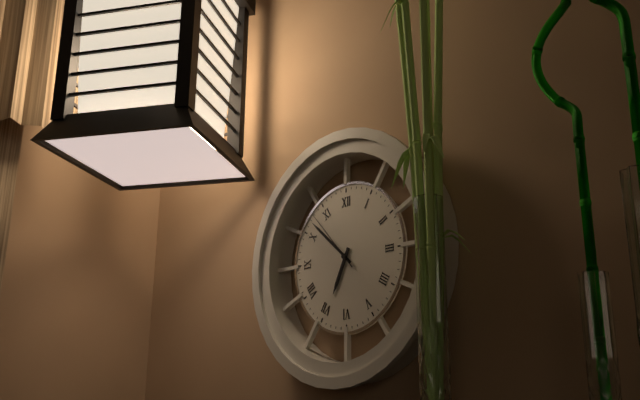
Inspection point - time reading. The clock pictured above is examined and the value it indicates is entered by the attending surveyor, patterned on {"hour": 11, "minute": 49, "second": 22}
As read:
{"hour": 6, "minute": 52, "second": 53}
